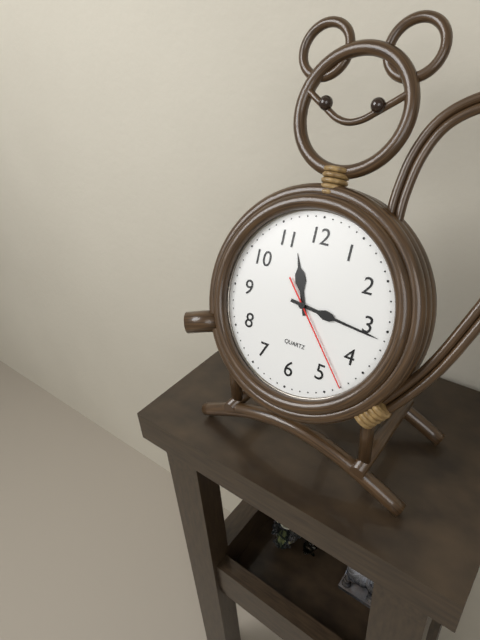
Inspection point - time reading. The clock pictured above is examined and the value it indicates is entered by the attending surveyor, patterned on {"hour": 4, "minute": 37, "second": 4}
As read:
{"hour": 11, "minute": 16, "second": 23}
